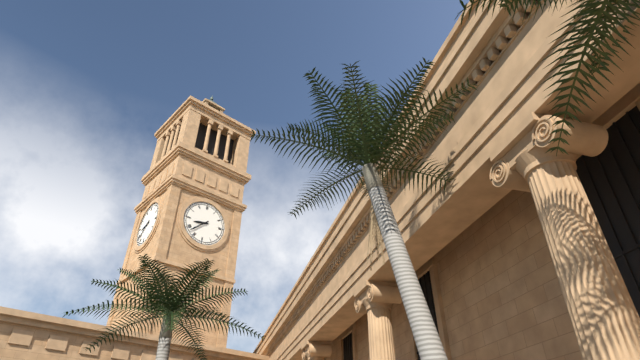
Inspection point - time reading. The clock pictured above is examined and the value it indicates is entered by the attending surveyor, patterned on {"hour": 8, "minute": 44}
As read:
{"hour": 8, "minute": 38}
